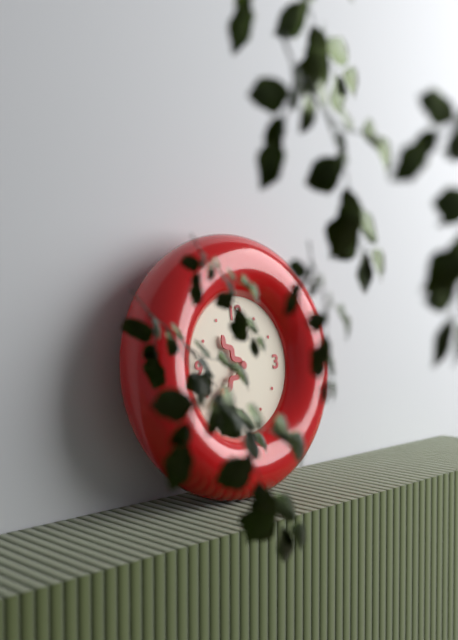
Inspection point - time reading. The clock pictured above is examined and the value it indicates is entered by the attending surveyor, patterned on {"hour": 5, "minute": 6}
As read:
{"hour": 10, "minute": 38}
